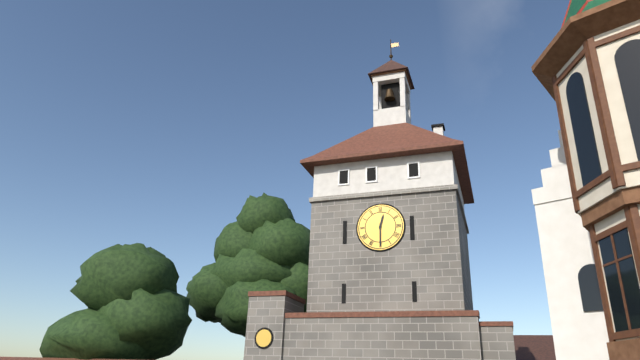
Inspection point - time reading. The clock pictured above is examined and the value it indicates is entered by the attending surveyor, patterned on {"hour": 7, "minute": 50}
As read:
{"hour": 12, "minute": 30}
